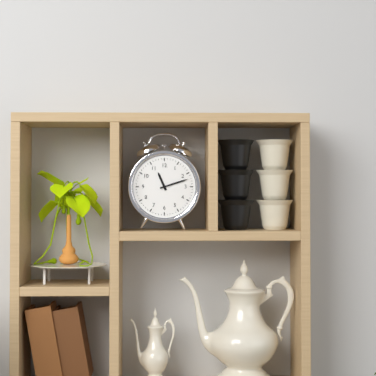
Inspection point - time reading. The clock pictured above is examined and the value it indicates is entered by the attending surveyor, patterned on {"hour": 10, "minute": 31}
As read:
{"hour": 11, "minute": 12}
